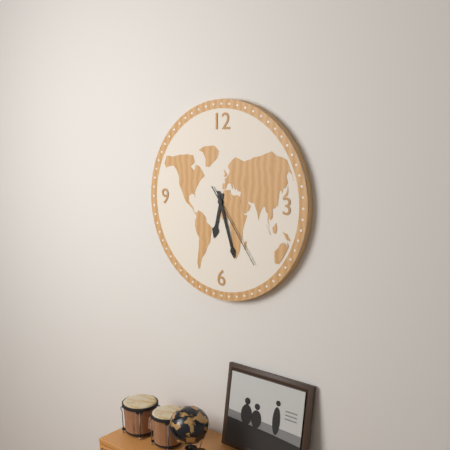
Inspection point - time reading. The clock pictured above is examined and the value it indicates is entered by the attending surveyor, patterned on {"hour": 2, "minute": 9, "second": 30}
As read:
{"hour": 6, "minute": 27, "second": 24}
